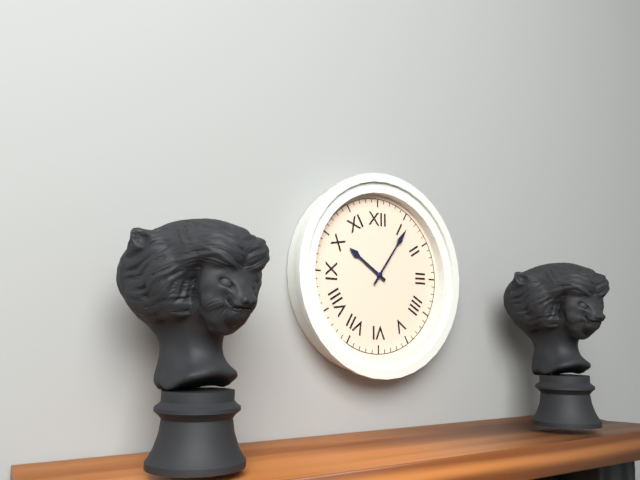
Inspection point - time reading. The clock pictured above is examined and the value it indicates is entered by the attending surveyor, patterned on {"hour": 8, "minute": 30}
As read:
{"hour": 10, "minute": 6}
